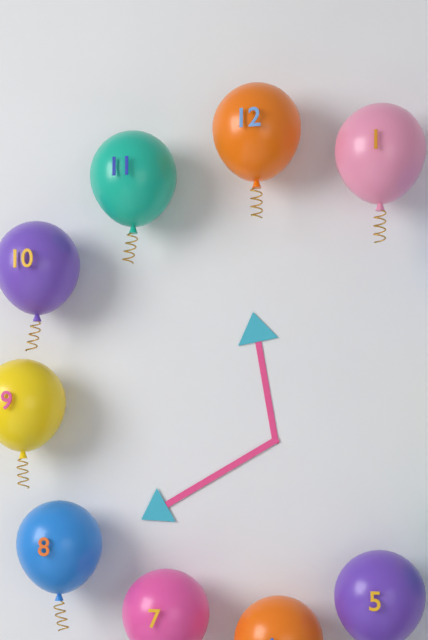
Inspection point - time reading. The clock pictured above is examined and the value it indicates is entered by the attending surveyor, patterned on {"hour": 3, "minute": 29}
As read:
{"hour": 11, "minute": 40}
